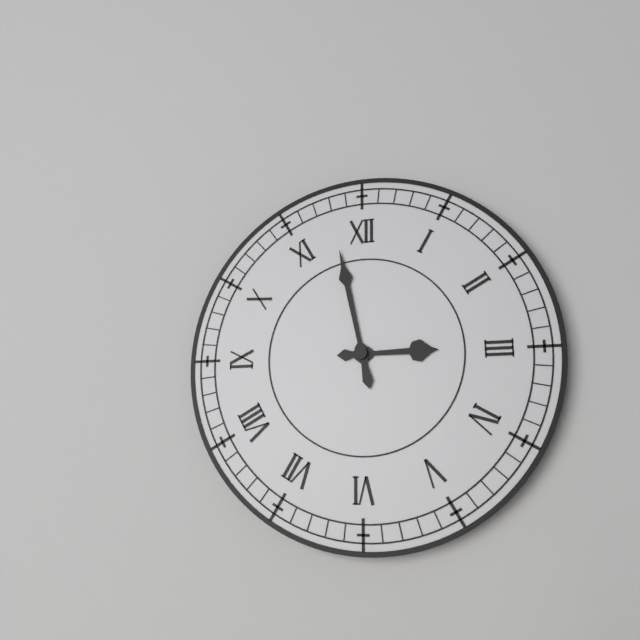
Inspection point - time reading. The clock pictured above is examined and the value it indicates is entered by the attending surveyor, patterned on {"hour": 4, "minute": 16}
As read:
{"hour": 2, "minute": 58}
